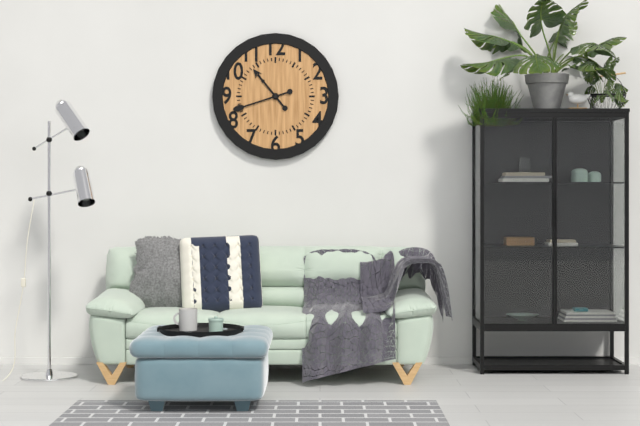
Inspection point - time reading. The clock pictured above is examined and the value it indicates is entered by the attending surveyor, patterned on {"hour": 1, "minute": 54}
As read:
{"hour": 10, "minute": 42}
